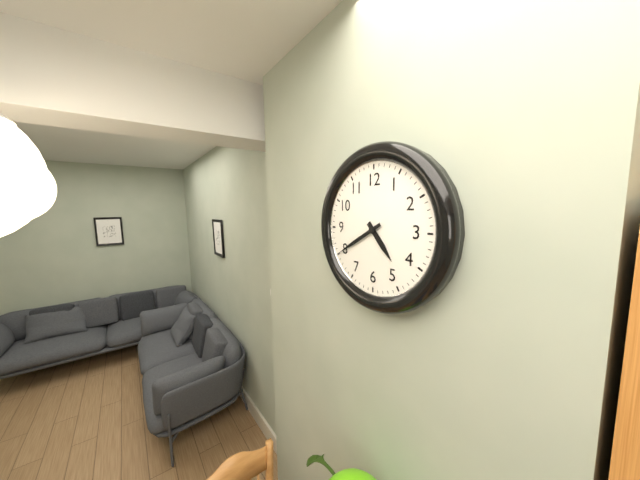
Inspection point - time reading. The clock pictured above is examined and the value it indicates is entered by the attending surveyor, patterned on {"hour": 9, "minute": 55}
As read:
{"hour": 4, "minute": 40}
